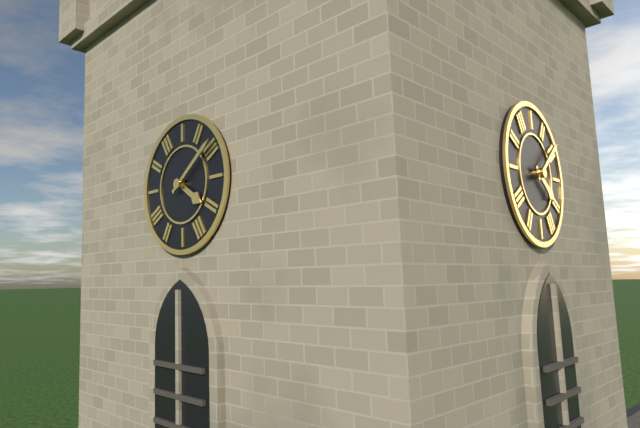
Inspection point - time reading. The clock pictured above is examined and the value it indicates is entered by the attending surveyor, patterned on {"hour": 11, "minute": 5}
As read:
{"hour": 4, "minute": 9}
